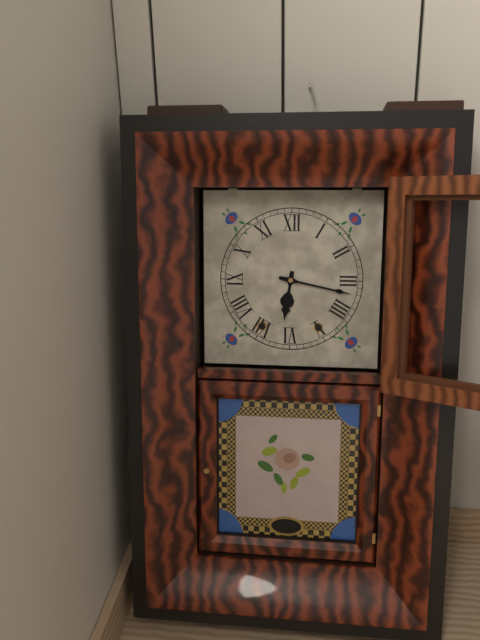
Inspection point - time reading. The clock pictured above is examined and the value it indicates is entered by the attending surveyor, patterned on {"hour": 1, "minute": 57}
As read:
{"hour": 6, "minute": 17}
